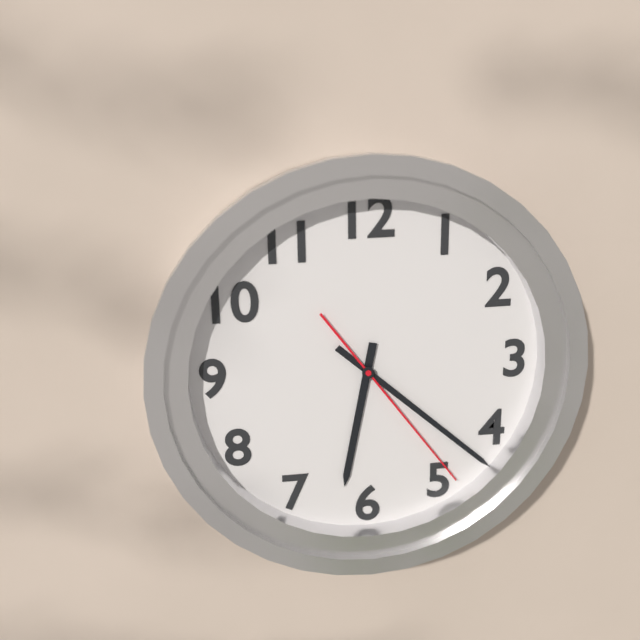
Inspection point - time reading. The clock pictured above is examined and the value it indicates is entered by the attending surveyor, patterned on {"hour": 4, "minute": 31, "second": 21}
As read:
{"hour": 6, "minute": 22, "second": 24}
